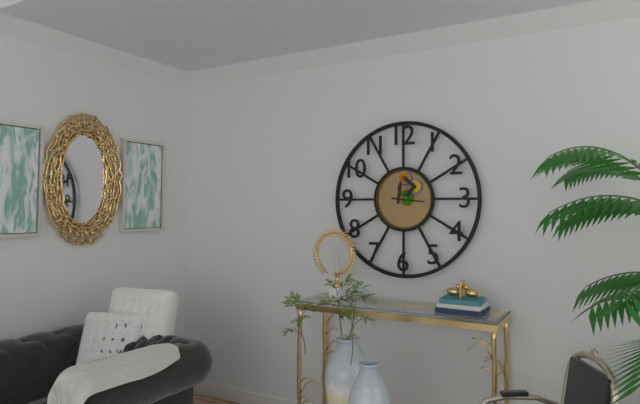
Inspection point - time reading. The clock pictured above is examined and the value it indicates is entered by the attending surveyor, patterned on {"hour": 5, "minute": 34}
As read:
{"hour": 12, "minute": 16}
